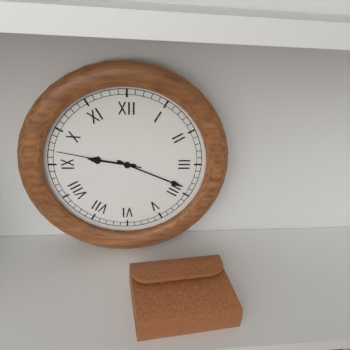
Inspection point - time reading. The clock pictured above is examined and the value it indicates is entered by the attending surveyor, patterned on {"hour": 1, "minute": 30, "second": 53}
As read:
{"hour": 9, "minute": 19, "second": 47}
